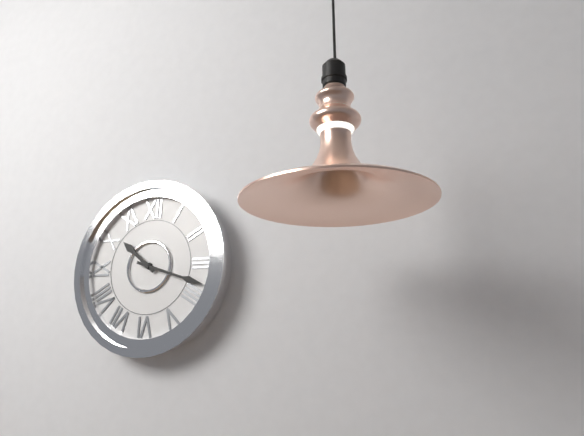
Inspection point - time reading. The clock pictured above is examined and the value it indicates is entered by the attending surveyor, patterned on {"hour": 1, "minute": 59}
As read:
{"hour": 10, "minute": 18}
